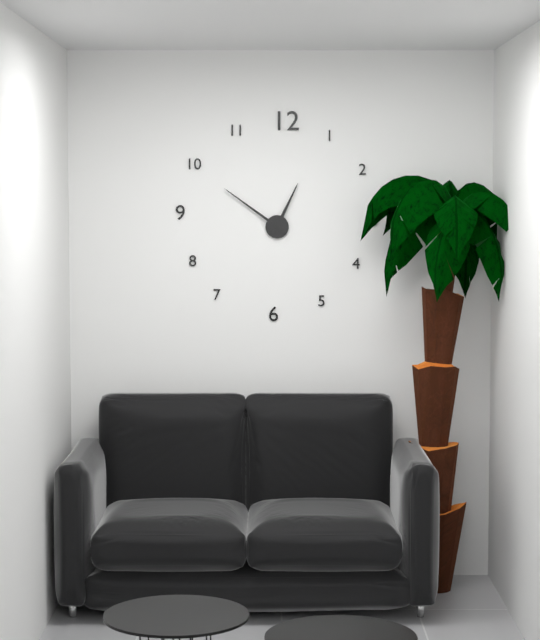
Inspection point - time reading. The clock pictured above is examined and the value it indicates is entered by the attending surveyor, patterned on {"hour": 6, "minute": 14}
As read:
{"hour": 12, "minute": 51}
